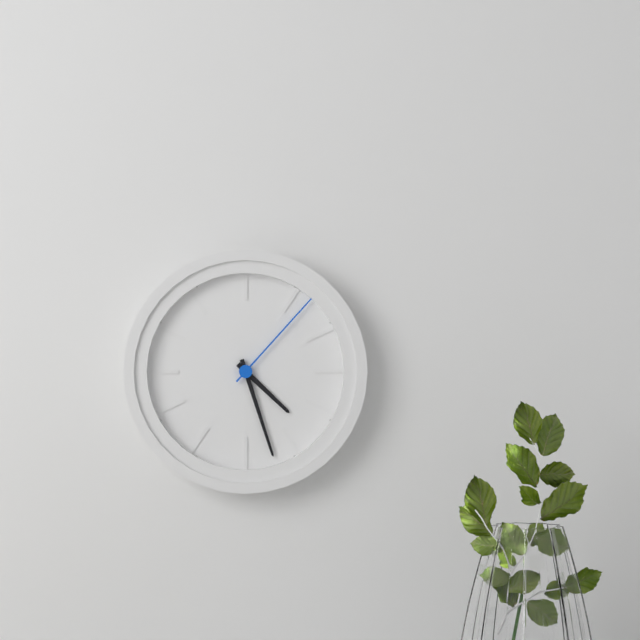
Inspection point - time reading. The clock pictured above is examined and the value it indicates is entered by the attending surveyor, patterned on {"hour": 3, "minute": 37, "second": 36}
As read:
{"hour": 4, "minute": 27, "second": 7}
